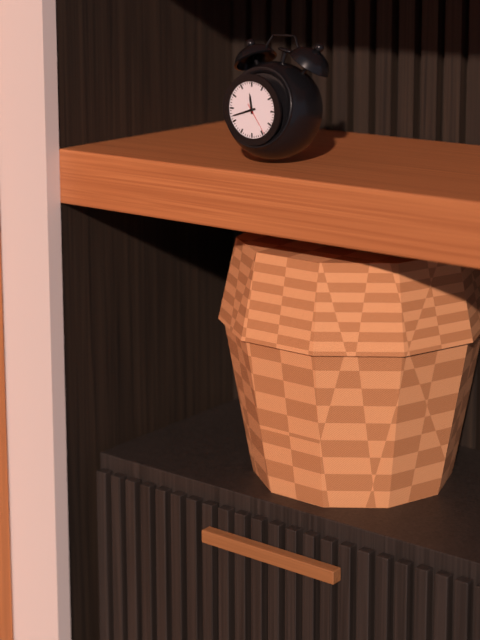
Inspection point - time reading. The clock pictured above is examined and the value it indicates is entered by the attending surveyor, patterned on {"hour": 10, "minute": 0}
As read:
{"hour": 11, "minute": 42}
